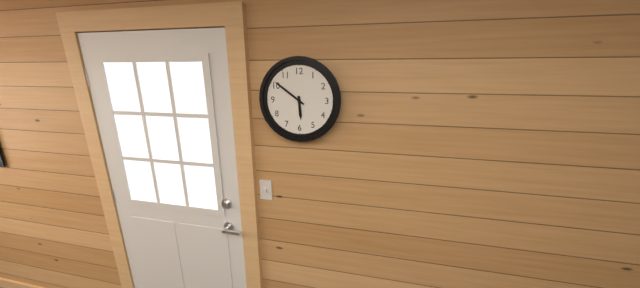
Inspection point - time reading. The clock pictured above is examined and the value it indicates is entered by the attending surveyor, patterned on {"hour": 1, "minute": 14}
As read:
{"hour": 5, "minute": 51}
